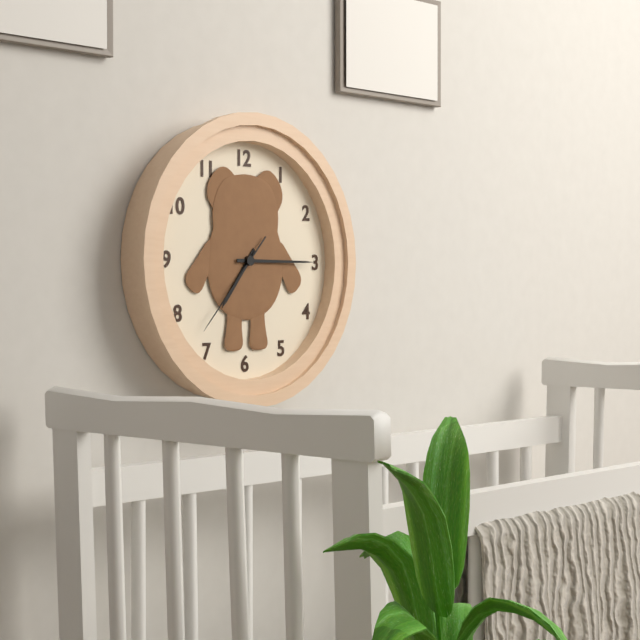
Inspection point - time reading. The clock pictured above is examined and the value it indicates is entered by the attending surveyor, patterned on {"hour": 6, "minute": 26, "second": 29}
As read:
{"hour": 7, "minute": 15, "second": 37}
